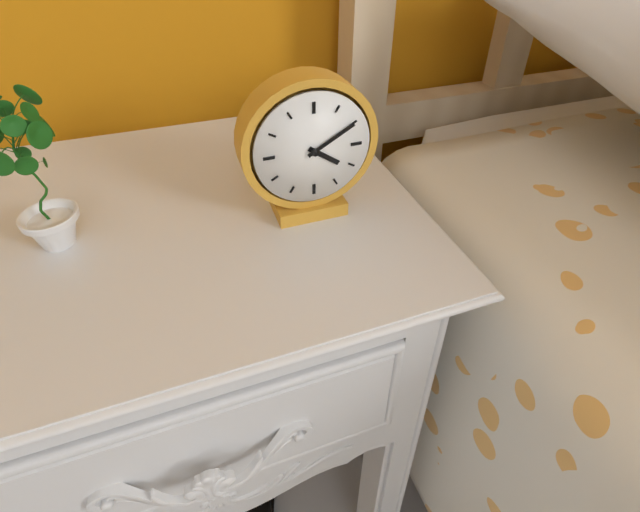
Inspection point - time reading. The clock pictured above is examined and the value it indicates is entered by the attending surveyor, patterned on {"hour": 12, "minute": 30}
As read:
{"hour": 4, "minute": 10}
